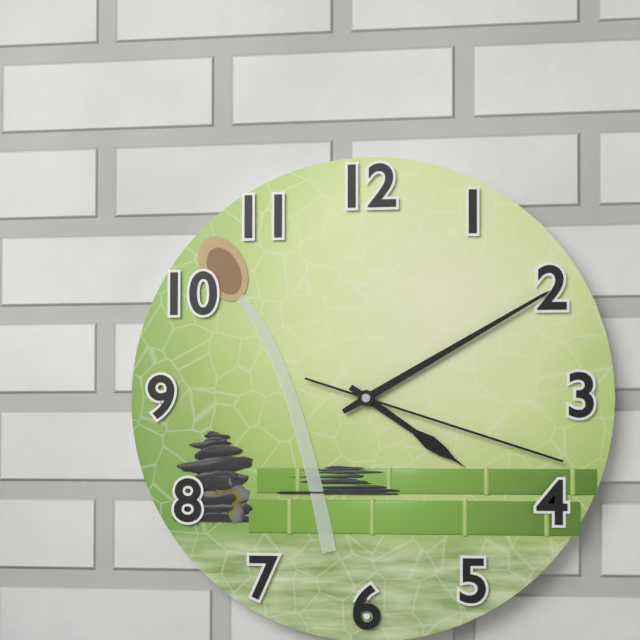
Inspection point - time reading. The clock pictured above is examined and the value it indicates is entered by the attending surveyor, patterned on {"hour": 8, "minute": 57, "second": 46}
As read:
{"hour": 4, "minute": 10, "second": 18}
